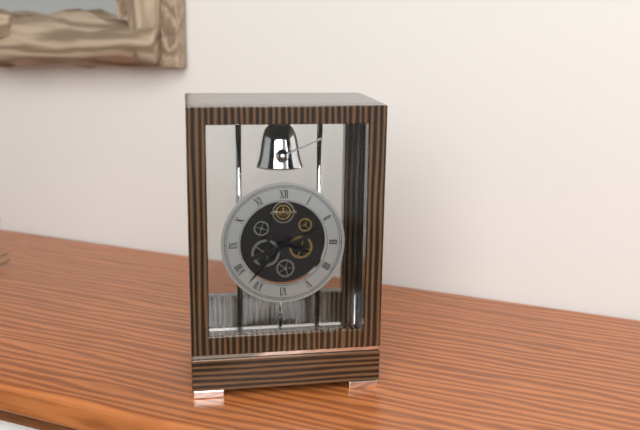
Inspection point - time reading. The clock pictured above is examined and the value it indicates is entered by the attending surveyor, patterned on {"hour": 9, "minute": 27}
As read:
{"hour": 3, "minute": 37}
